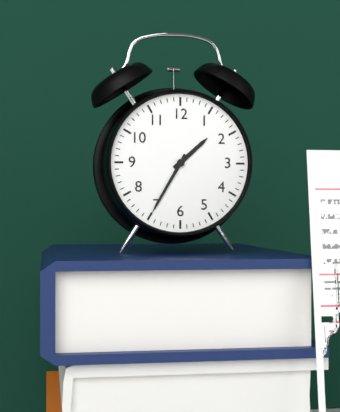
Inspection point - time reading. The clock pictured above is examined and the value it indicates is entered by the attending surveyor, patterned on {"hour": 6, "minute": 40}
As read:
{"hour": 1, "minute": 35}
